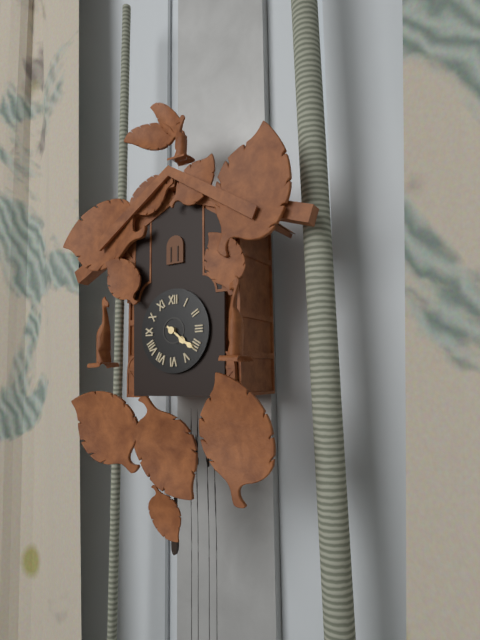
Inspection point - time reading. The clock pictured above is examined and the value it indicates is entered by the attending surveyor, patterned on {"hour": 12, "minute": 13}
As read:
{"hour": 4, "minute": 21}
